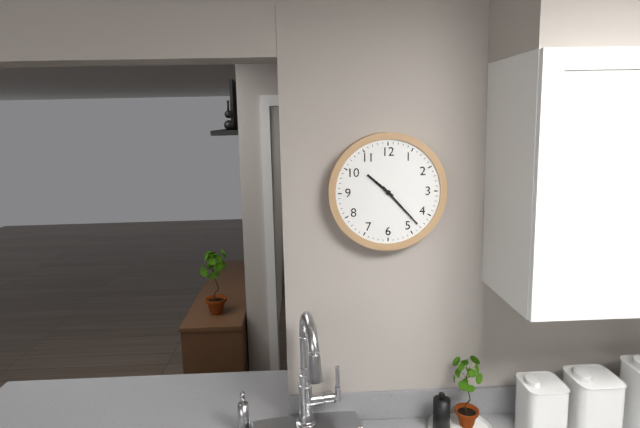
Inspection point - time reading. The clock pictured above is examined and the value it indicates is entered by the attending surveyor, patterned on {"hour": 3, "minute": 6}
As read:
{"hour": 10, "minute": 23}
